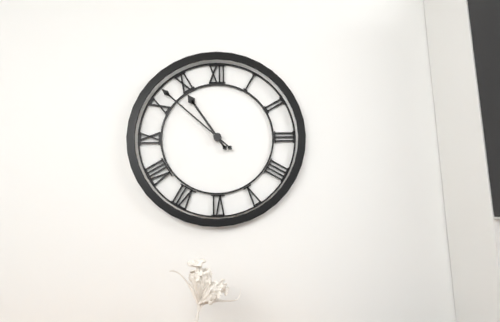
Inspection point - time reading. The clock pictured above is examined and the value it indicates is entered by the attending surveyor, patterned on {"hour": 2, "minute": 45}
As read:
{"hour": 10, "minute": 52}
